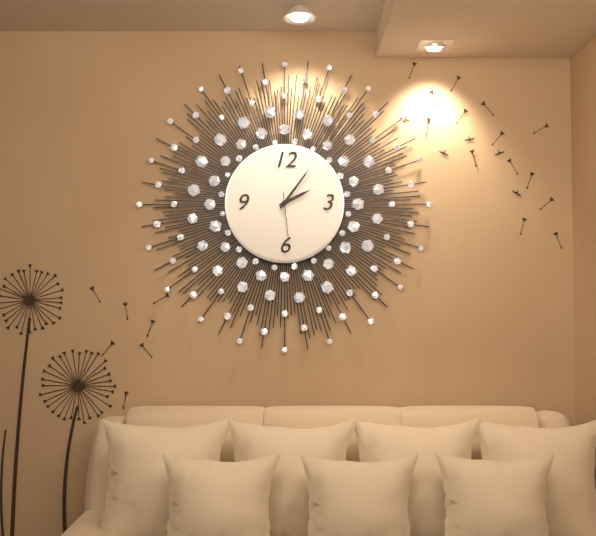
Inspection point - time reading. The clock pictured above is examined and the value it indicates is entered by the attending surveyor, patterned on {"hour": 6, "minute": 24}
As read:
{"hour": 2, "minute": 6}
